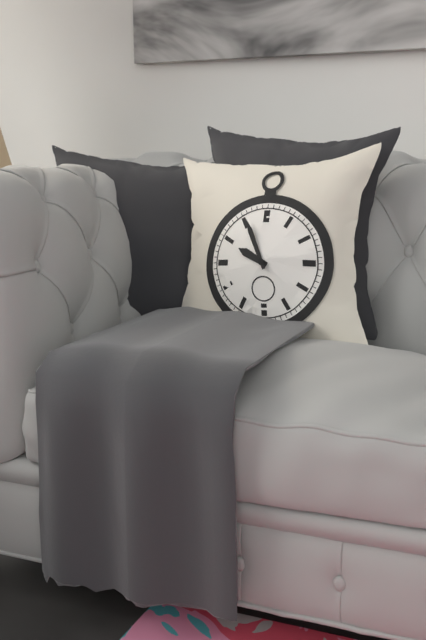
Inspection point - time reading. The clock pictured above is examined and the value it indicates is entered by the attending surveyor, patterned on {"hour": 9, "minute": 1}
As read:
{"hour": 9, "minute": 56}
